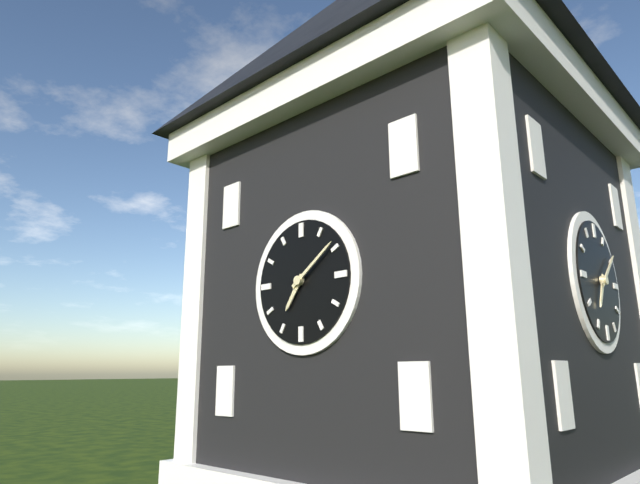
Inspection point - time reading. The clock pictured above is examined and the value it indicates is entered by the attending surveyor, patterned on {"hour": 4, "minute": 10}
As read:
{"hour": 7, "minute": 9}
